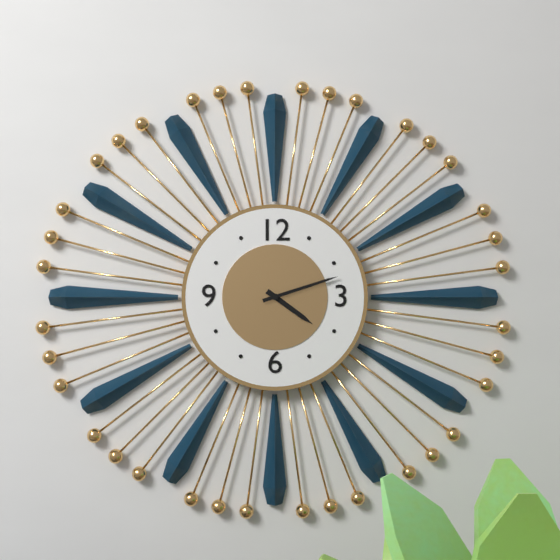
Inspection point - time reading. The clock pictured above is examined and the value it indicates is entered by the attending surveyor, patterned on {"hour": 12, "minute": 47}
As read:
{"hour": 4, "minute": 12}
